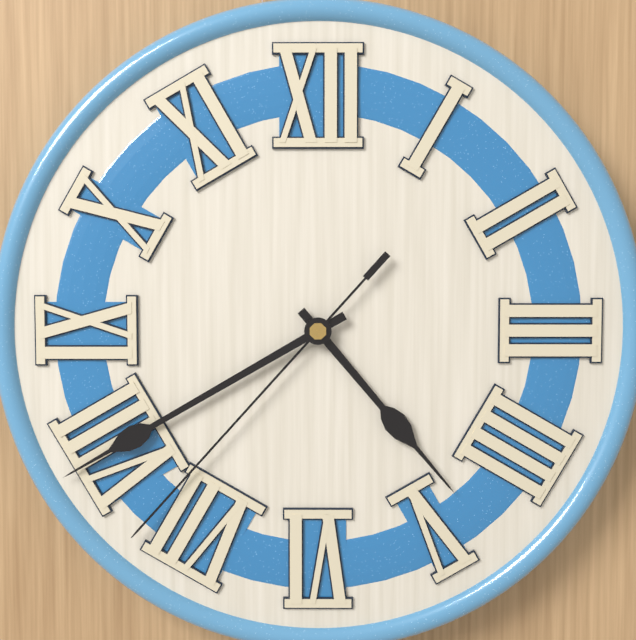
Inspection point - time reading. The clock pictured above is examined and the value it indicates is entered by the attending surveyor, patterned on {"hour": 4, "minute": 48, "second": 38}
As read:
{"hour": 4, "minute": 40, "second": 37}
